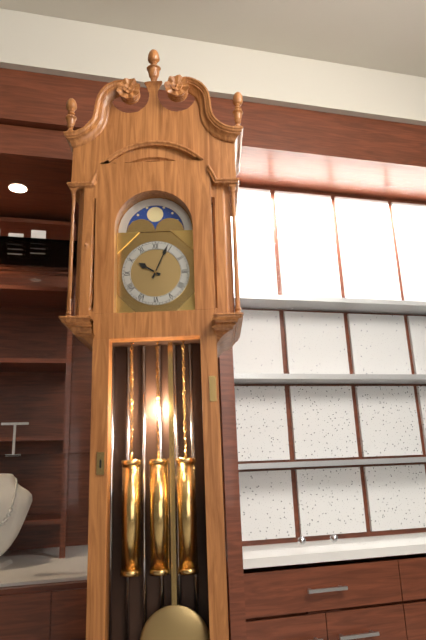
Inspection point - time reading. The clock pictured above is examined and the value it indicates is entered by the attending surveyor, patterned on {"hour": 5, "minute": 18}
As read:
{"hour": 10, "minute": 4}
